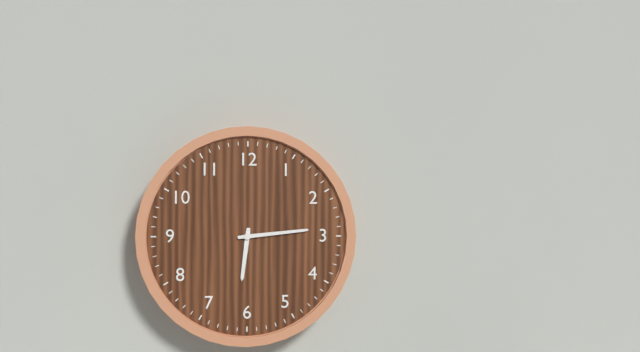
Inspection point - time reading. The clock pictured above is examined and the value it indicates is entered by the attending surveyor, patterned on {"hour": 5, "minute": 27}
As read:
{"hour": 6, "minute": 14}
